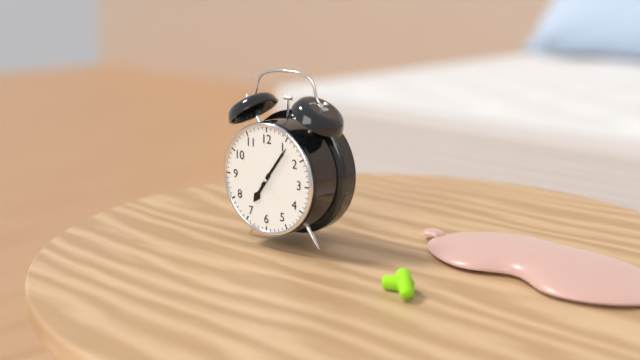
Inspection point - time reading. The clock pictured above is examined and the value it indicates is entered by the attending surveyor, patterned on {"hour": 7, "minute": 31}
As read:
{"hour": 7, "minute": 6}
